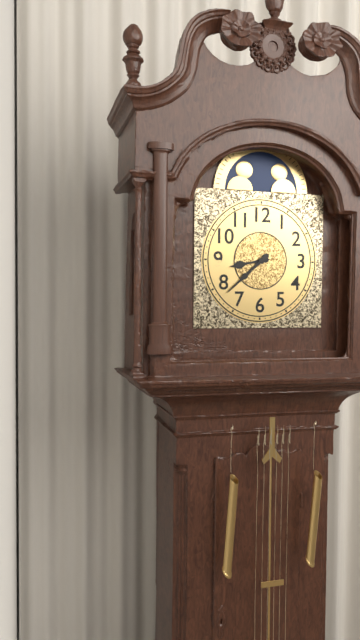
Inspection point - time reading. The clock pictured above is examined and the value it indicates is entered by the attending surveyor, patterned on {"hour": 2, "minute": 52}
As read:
{"hour": 8, "minute": 38}
